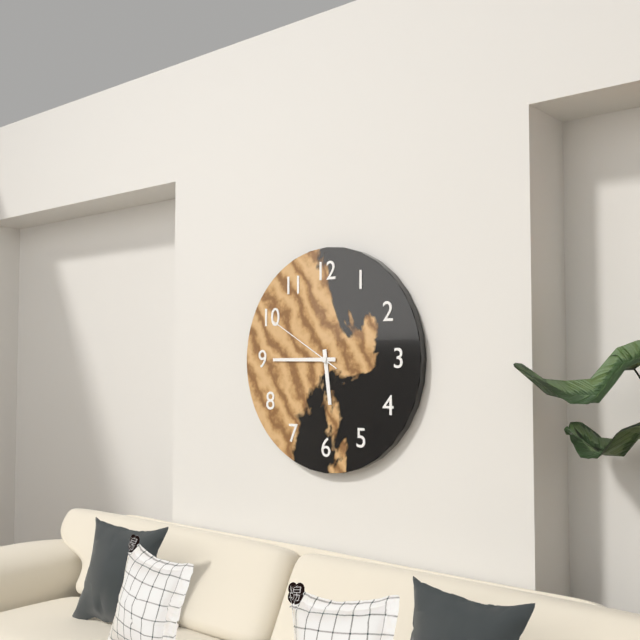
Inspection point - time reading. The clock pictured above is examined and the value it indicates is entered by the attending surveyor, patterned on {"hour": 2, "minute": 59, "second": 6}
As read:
{"hour": 5, "minute": 45, "second": 50}
